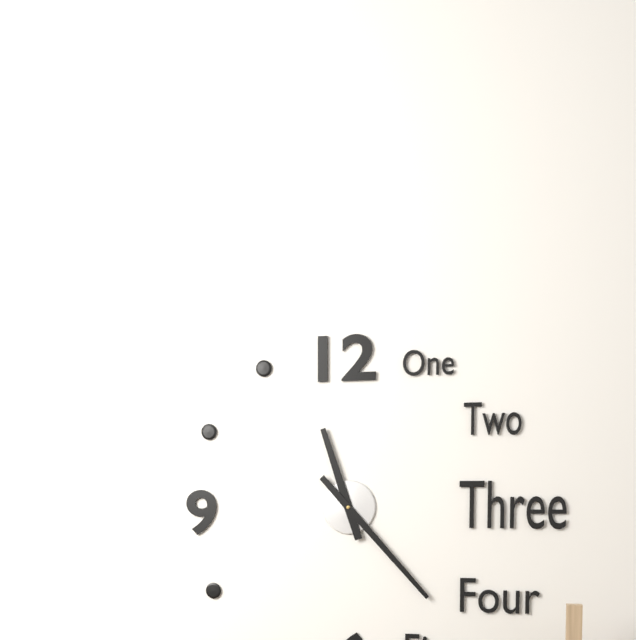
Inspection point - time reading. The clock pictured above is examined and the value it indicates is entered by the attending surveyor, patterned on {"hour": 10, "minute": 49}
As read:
{"hour": 11, "minute": 23}
